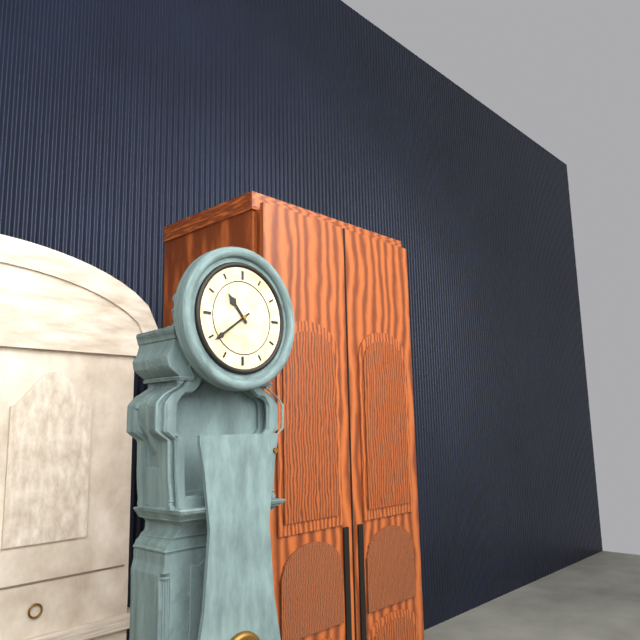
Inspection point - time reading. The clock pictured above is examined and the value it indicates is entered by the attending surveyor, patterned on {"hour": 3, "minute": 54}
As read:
{"hour": 10, "minute": 39}
